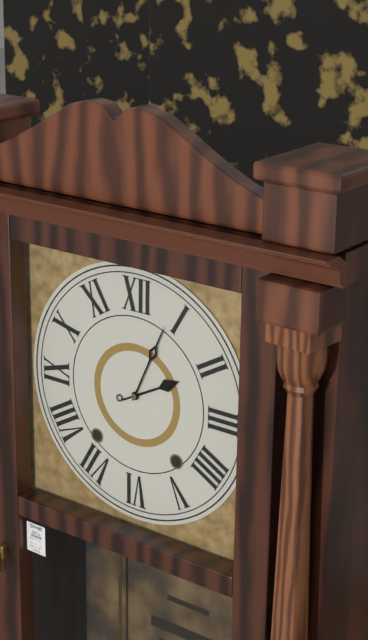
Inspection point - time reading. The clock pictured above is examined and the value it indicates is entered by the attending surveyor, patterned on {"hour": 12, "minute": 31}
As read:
{"hour": 2, "minute": 4}
